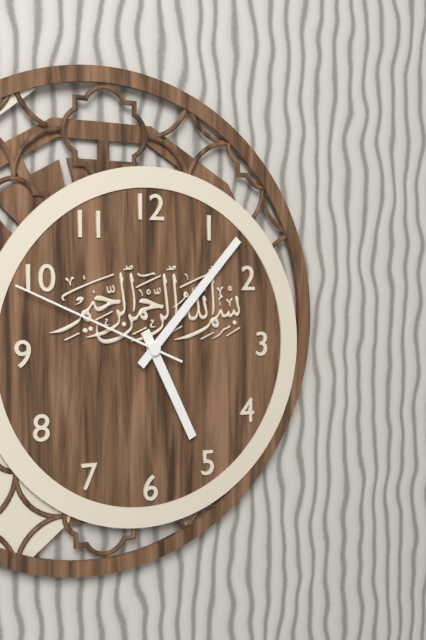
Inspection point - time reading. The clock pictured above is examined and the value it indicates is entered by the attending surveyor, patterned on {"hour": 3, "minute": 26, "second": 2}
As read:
{"hour": 5, "minute": 7, "second": 49}
